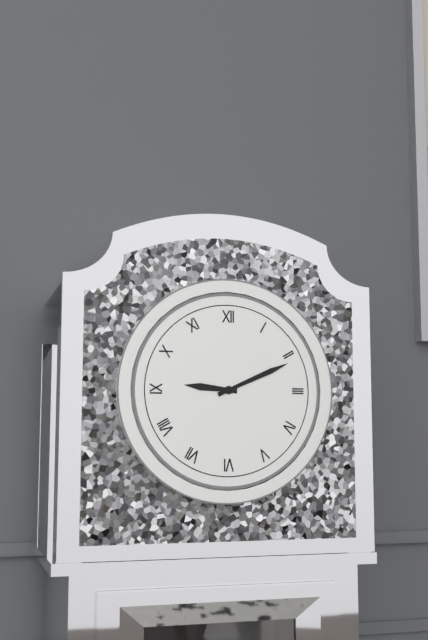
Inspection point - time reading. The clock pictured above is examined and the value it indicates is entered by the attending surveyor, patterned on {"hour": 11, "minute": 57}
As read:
{"hour": 9, "minute": 11}
